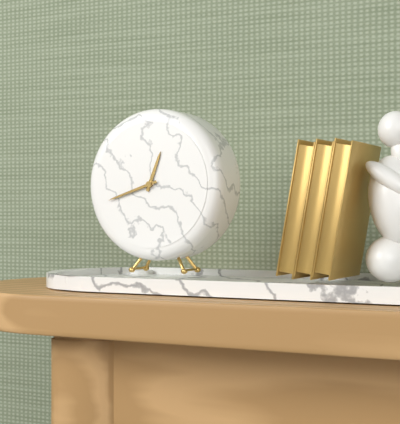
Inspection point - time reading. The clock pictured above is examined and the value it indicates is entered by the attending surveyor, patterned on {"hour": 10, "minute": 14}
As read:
{"hour": 12, "minute": 42}
